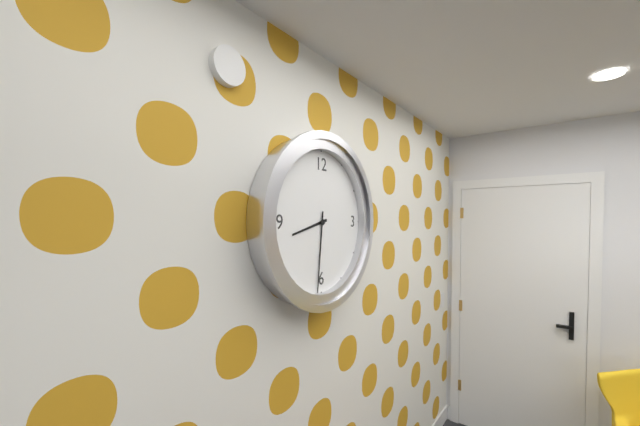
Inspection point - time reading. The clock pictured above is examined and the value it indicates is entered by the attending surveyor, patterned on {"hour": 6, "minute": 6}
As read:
{"hour": 8, "minute": 31}
